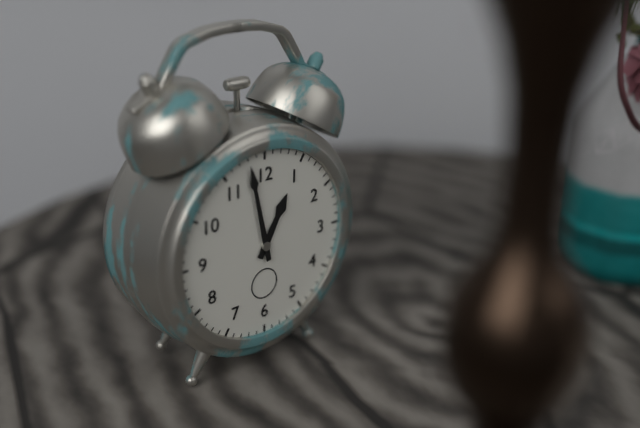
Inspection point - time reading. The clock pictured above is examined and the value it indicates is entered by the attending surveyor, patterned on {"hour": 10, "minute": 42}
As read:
{"hour": 12, "minute": 58}
